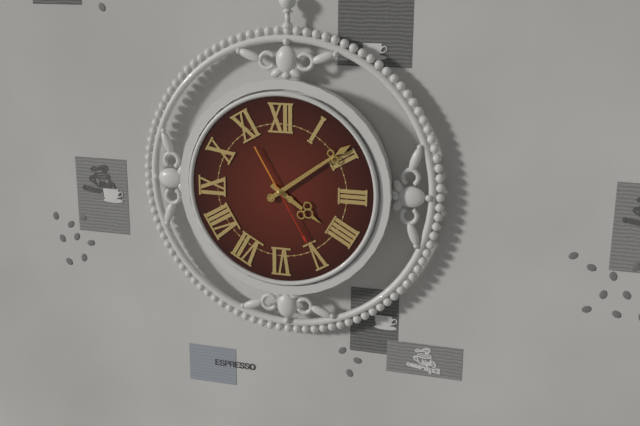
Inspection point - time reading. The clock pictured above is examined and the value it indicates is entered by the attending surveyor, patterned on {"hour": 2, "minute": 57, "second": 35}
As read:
{"hour": 4, "minute": 9, "second": 25}
